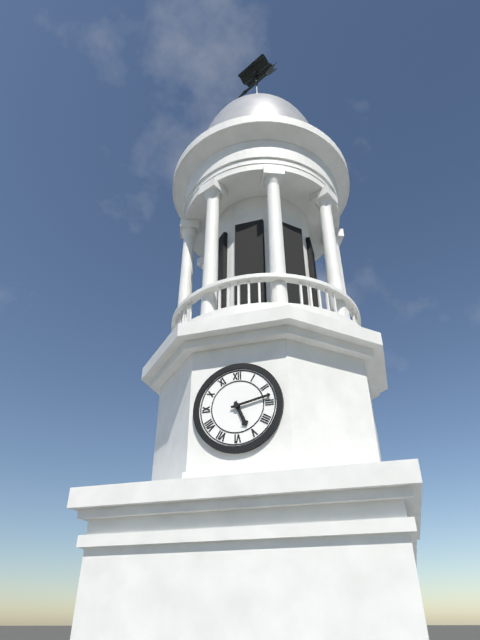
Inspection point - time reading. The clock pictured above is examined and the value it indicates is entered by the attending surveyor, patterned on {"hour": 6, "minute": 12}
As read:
{"hour": 5, "minute": 13}
